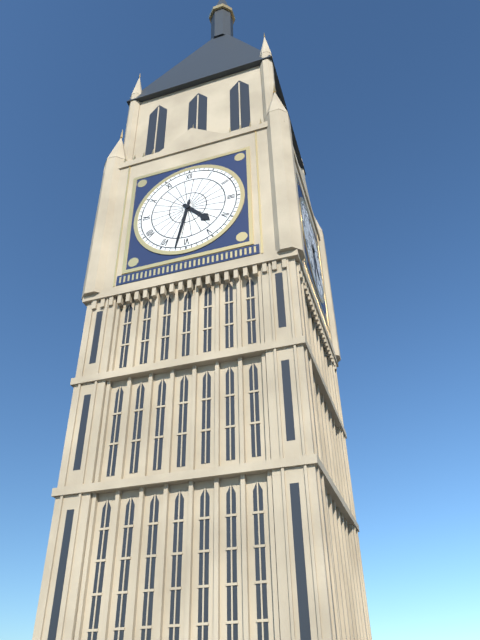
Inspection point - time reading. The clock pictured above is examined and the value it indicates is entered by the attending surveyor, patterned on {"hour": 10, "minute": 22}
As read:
{"hour": 4, "minute": 32}
